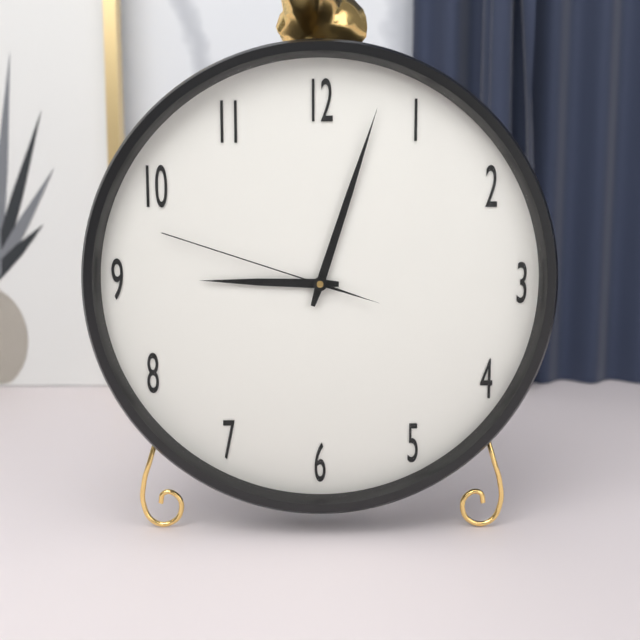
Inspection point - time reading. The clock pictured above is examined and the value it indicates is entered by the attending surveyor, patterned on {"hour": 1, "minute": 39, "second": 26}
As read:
{"hour": 9, "minute": 3, "second": 48}
